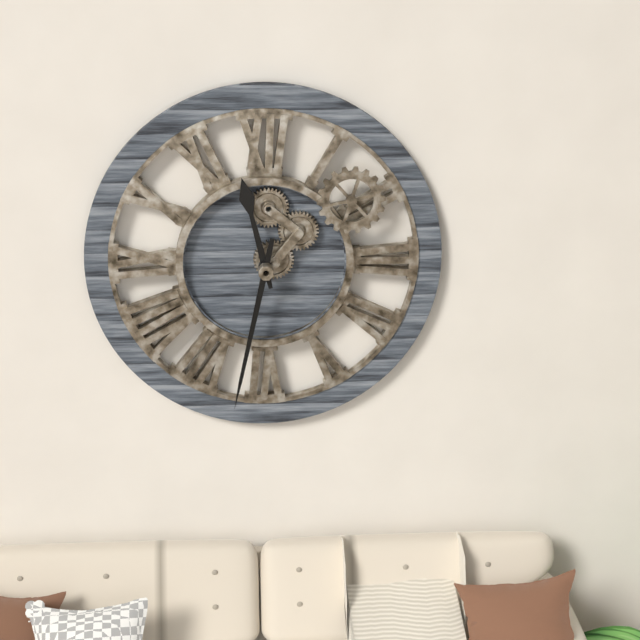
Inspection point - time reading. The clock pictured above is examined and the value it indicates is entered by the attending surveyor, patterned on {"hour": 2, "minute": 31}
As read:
{"hour": 11, "minute": 32}
